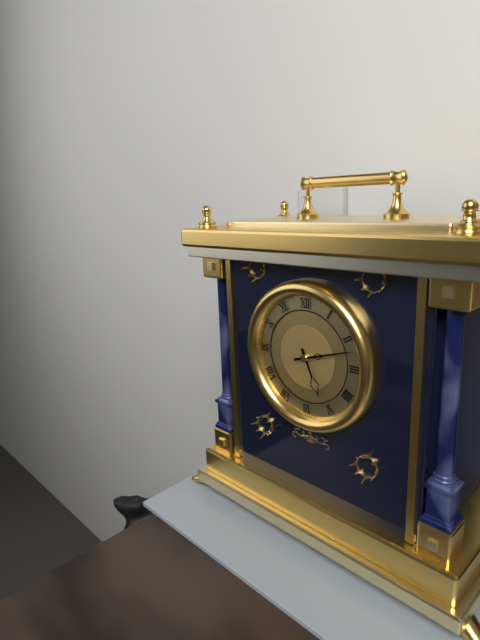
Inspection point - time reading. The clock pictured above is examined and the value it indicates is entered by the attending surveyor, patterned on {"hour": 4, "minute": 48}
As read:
{"hour": 5, "minute": 12}
